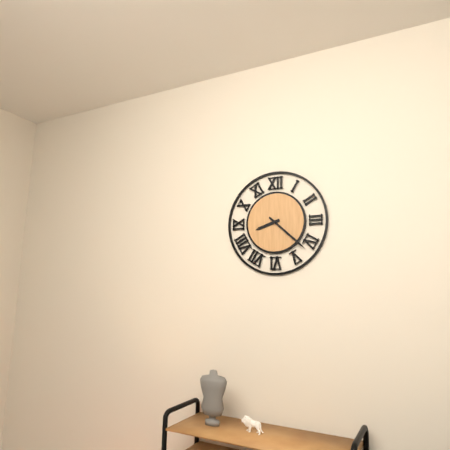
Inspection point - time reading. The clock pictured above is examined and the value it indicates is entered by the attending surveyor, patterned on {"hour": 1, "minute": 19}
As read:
{"hour": 8, "minute": 22}
